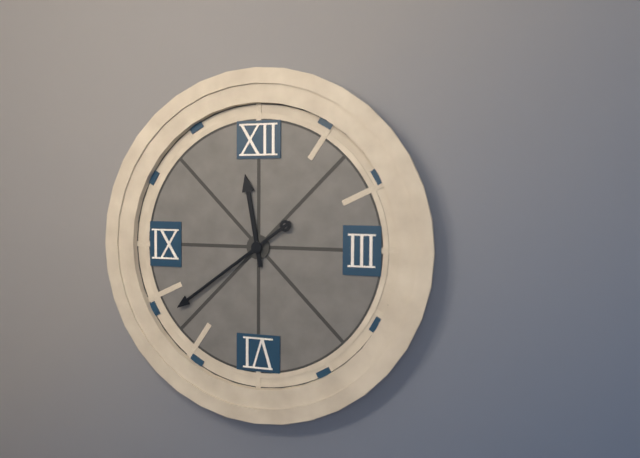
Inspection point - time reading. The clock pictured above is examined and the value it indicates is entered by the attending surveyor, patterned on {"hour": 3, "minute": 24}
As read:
{"hour": 11, "minute": 39}
